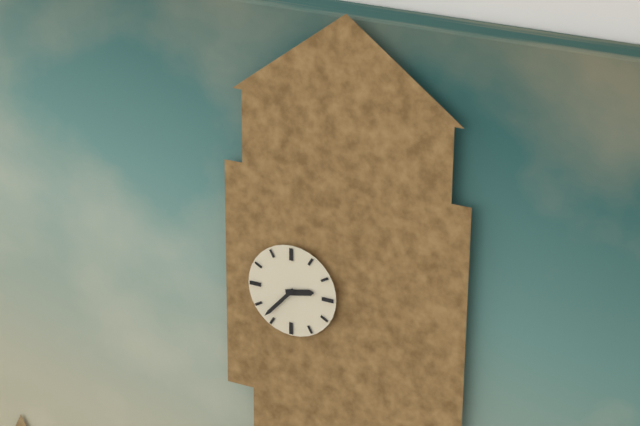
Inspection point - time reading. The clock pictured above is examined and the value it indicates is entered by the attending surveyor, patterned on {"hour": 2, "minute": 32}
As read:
{"hour": 2, "minute": 37}
